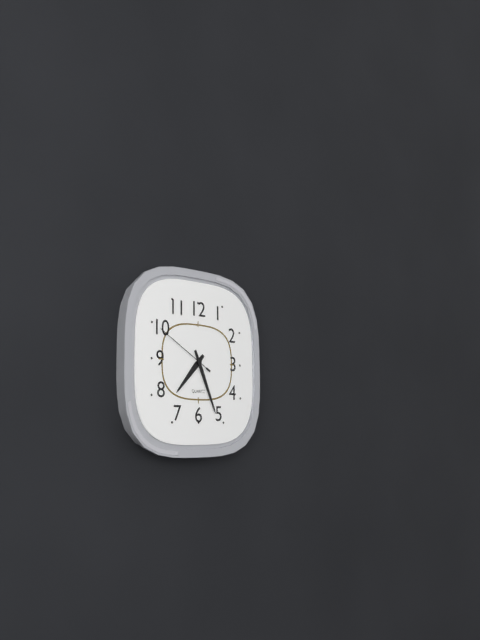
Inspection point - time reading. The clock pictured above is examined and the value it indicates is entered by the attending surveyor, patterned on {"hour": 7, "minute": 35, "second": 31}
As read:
{"hour": 7, "minute": 26, "second": 50}
